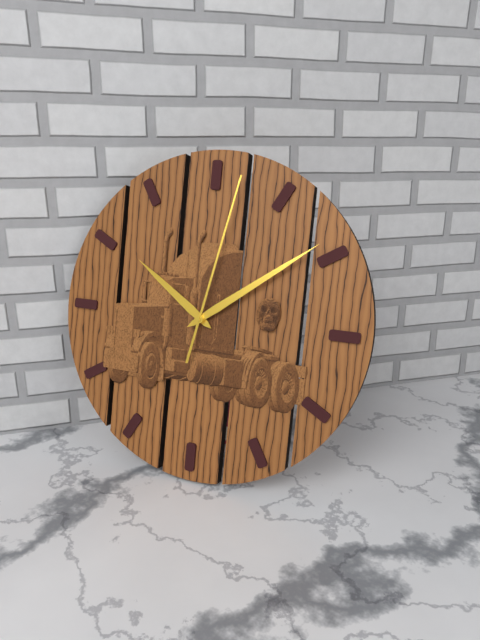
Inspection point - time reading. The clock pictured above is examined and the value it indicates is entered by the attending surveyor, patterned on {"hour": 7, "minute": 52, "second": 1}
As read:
{"hour": 10, "minute": 9, "second": 2}
